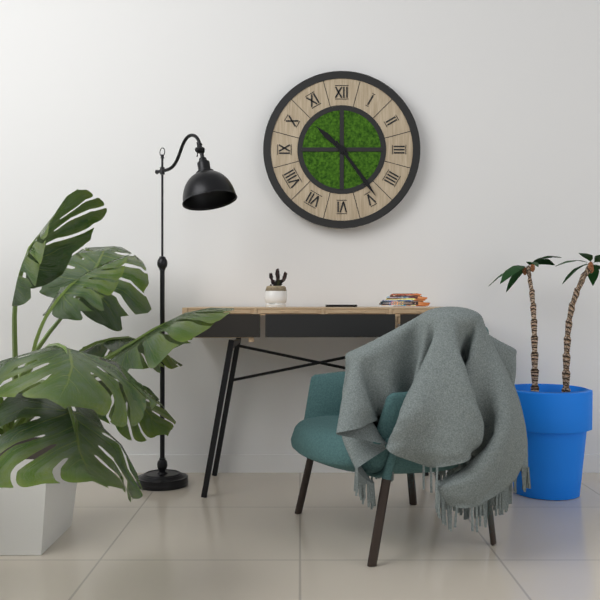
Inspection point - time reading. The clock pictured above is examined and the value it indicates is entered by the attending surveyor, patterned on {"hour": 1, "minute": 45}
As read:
{"hour": 10, "minute": 24}
